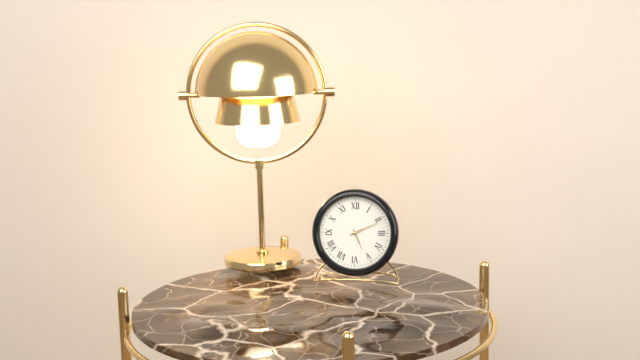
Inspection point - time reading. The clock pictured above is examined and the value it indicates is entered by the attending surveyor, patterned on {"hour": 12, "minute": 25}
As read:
{"hour": 5, "minute": 11}
